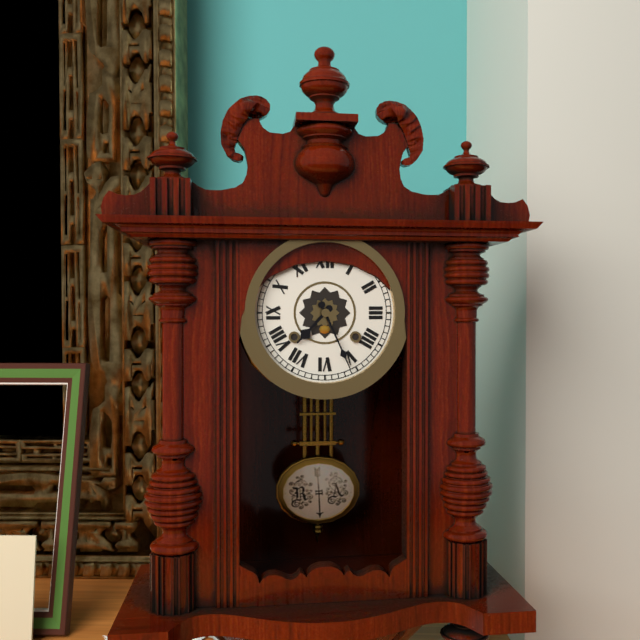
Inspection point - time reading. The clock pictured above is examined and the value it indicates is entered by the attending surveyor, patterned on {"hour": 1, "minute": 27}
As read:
{"hour": 7, "minute": 26}
